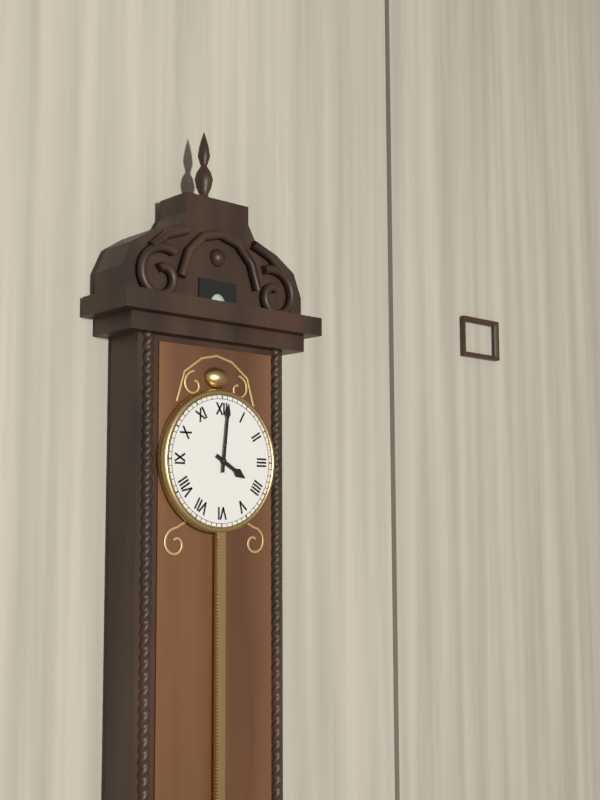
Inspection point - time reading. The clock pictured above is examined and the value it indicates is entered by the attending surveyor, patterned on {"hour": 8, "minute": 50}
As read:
{"hour": 4, "minute": 1}
